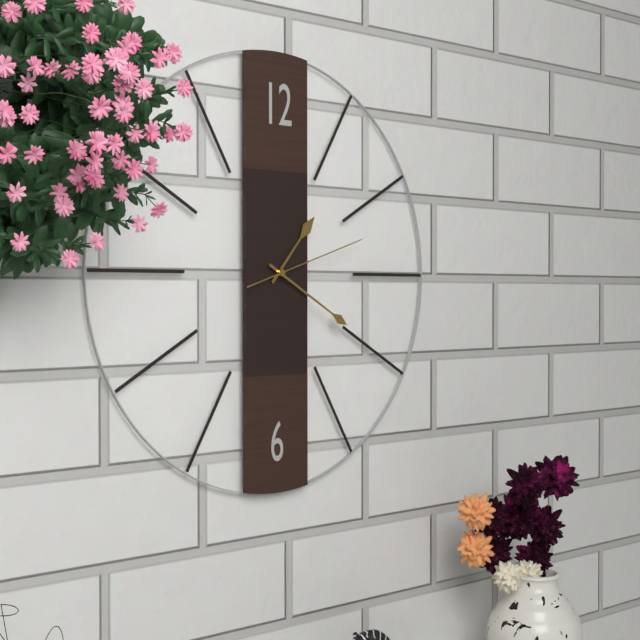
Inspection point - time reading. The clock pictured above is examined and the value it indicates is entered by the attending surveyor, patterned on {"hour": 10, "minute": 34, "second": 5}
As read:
{"hour": 1, "minute": 20, "second": 12}
